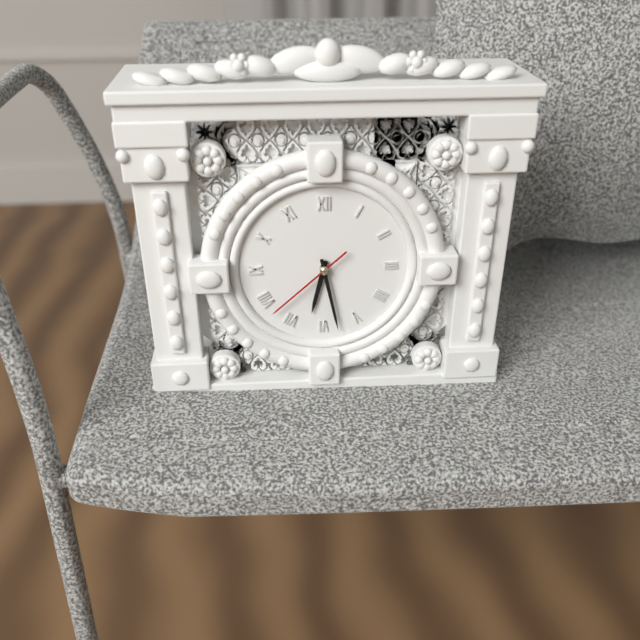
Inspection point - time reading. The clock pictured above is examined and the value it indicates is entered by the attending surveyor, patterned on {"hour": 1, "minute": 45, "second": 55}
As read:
{"hour": 6, "minute": 28, "second": 38}
